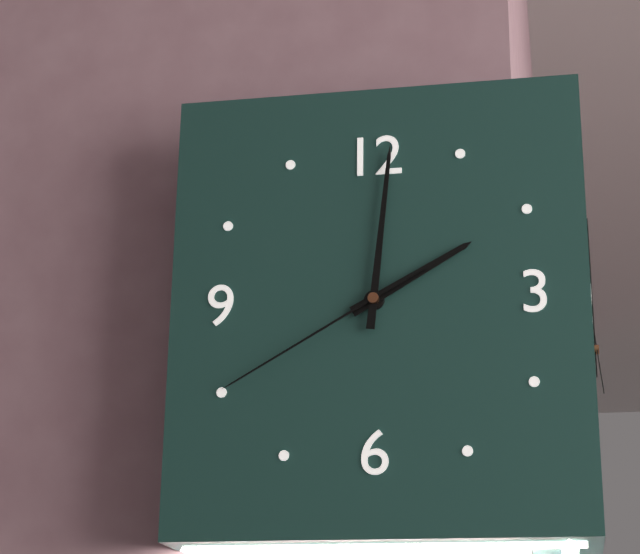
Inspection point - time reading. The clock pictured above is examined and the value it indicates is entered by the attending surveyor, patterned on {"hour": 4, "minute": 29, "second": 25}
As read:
{"hour": 2, "minute": 1, "second": 40}
